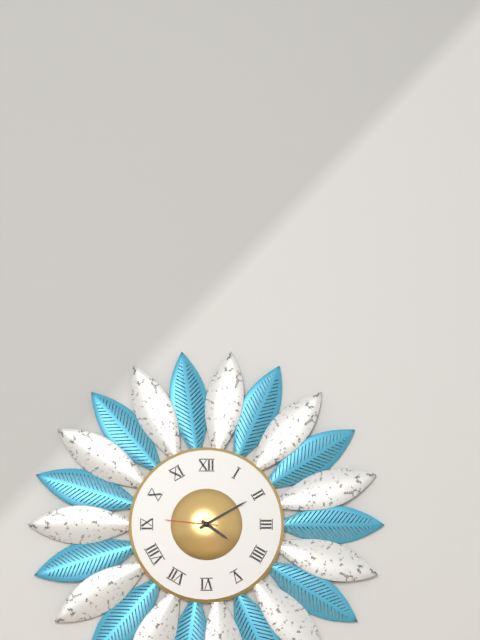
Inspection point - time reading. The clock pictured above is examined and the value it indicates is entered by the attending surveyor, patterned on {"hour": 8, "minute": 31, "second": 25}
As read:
{"hour": 4, "minute": 10, "second": 46}
